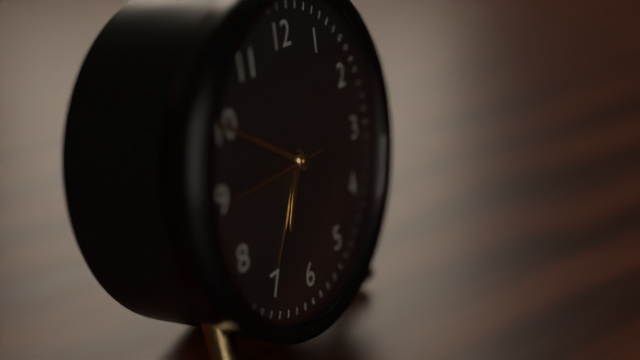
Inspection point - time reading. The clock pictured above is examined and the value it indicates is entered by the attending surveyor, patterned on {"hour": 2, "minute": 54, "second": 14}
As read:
{"hour": 6, "minute": 50, "second": 45}
